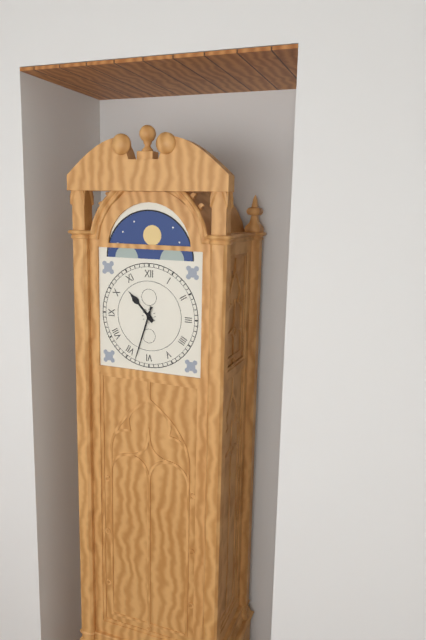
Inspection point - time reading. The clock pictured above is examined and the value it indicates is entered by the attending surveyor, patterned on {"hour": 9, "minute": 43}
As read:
{"hour": 10, "minute": 33}
